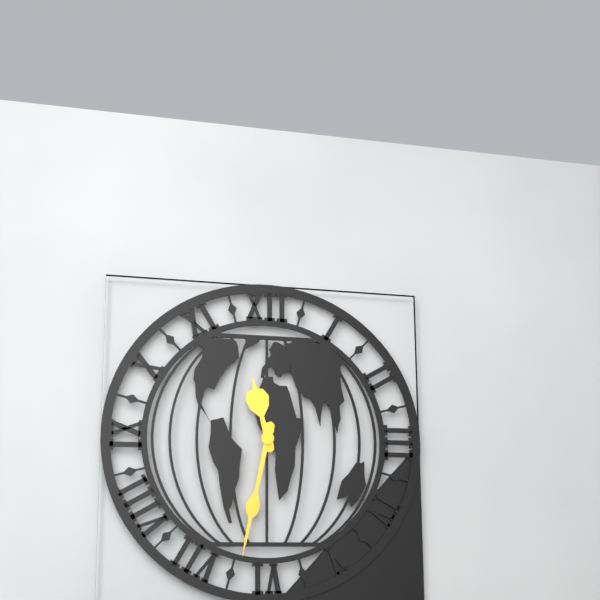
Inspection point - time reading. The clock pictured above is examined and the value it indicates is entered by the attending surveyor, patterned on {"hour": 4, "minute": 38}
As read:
{"hour": 11, "minute": 32}
